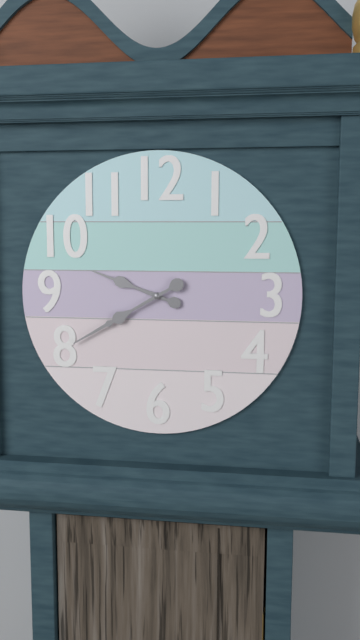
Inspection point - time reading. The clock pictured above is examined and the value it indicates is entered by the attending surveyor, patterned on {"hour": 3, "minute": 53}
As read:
{"hour": 9, "minute": 40}
